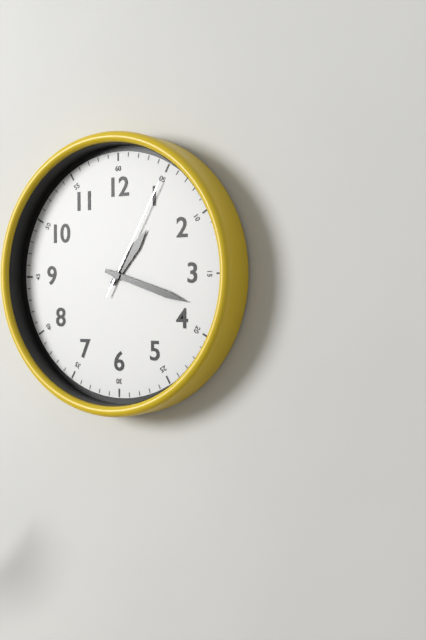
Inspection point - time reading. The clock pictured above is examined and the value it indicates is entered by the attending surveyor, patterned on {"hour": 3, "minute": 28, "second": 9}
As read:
{"hour": 1, "minute": 18, "second": 5}
